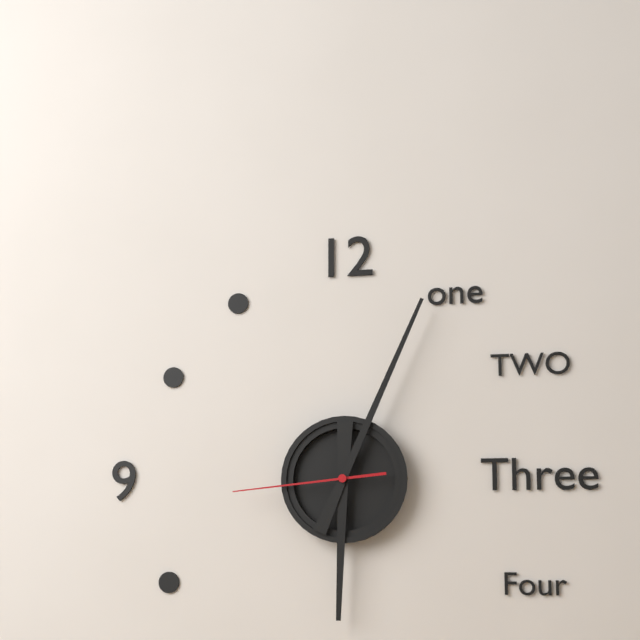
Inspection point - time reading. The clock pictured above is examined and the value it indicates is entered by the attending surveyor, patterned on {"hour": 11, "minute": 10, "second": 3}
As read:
{"hour": 6, "minute": 4, "second": 44}
